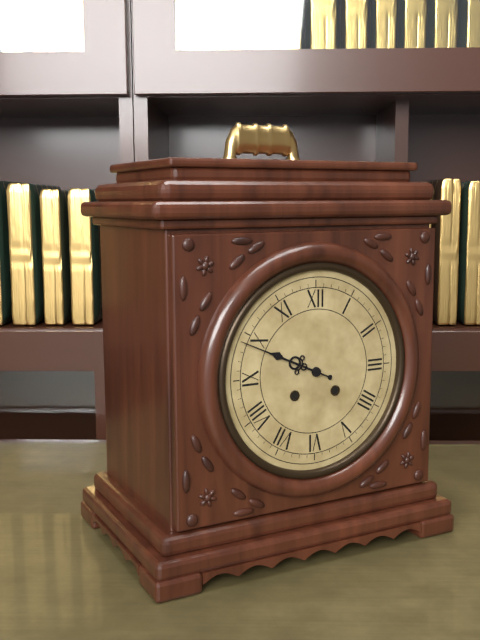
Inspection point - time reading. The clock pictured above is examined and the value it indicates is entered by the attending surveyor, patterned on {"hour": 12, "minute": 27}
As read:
{"hour": 9, "minute": 49}
